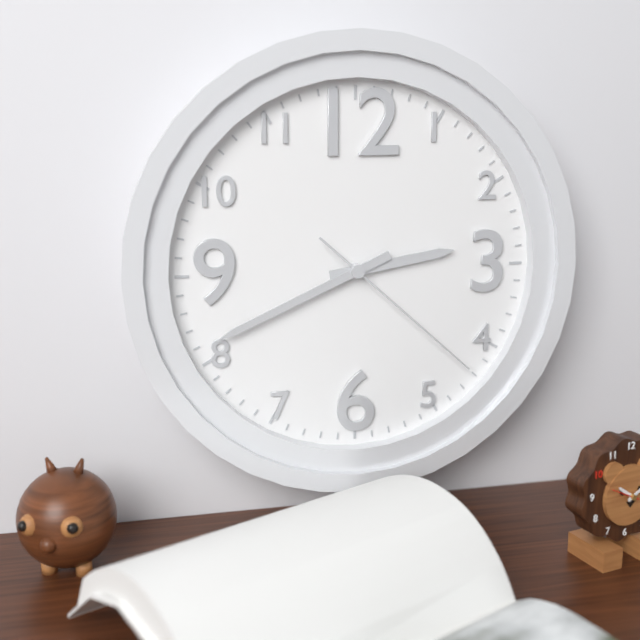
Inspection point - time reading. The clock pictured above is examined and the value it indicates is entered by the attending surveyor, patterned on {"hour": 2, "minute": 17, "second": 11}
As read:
{"hour": 2, "minute": 41, "second": 22}
